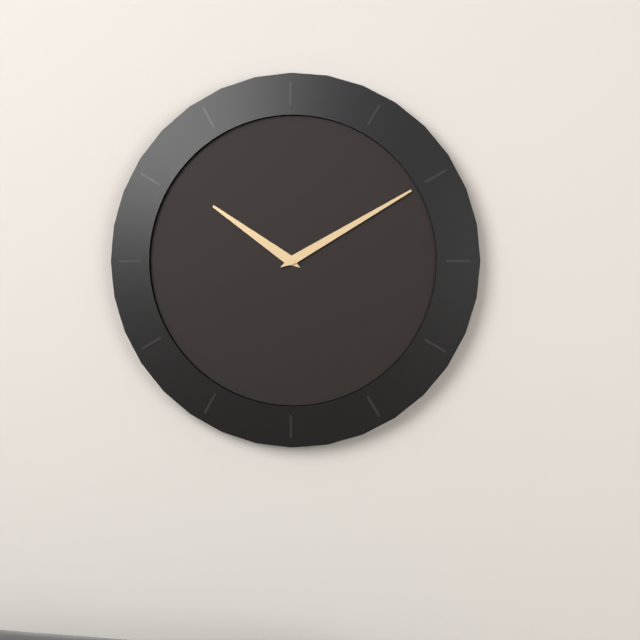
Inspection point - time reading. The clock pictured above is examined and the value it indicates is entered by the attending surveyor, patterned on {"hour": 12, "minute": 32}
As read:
{"hour": 10, "minute": 10}
